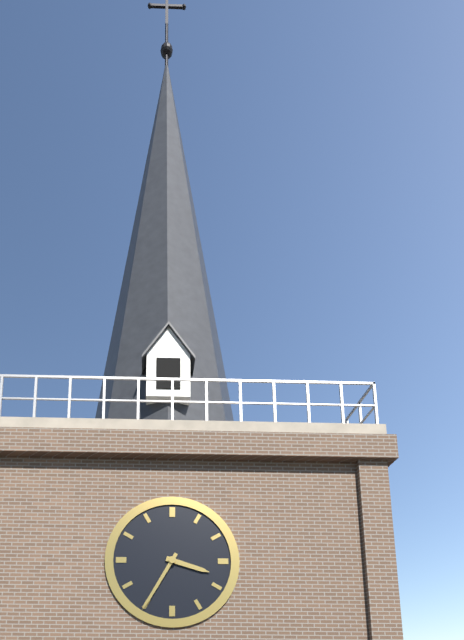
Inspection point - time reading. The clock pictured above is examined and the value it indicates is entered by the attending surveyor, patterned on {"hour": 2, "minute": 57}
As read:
{"hour": 3, "minute": 35}
